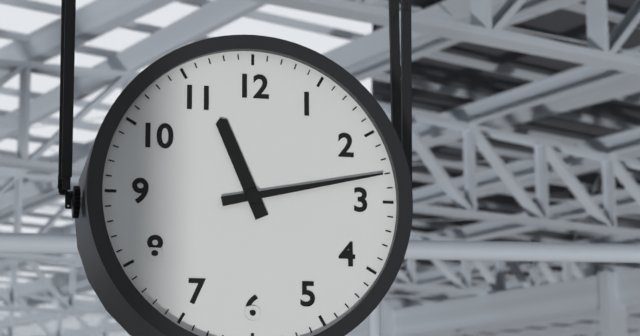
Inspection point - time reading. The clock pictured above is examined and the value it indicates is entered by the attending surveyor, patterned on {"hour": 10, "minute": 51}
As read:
{"hour": 11, "minute": 13}
